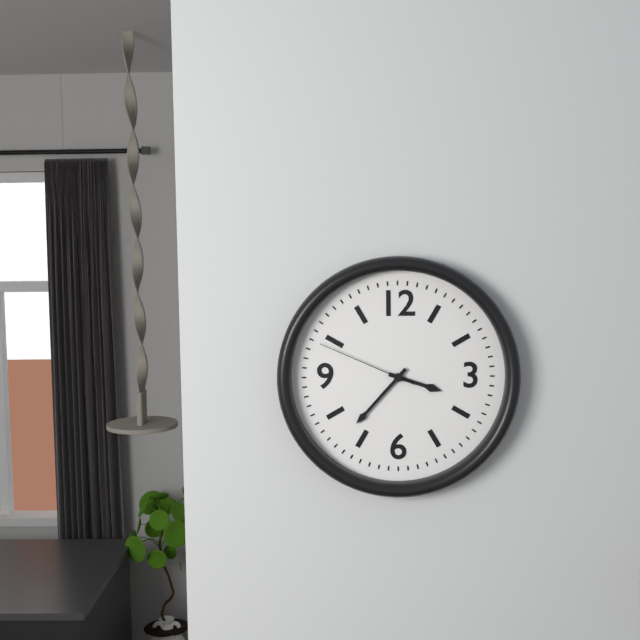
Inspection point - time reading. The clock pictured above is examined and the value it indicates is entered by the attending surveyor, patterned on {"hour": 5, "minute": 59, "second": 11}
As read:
{"hour": 3, "minute": 37, "second": 49}
